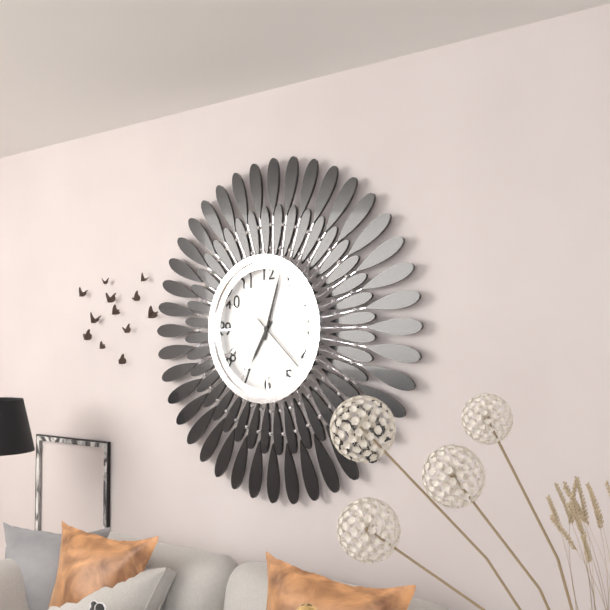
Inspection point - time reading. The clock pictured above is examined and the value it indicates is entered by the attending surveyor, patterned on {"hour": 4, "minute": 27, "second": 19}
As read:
{"hour": 7, "minute": 3, "second": 22}
